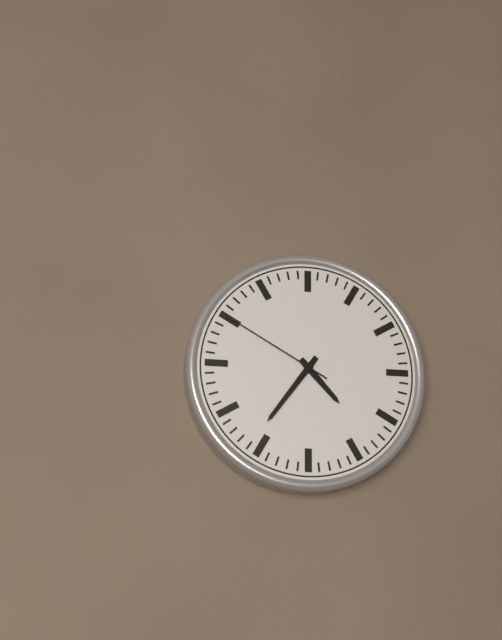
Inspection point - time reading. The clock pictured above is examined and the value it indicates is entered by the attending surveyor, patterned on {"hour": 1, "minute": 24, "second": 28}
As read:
{"hour": 4, "minute": 36, "second": 50}
